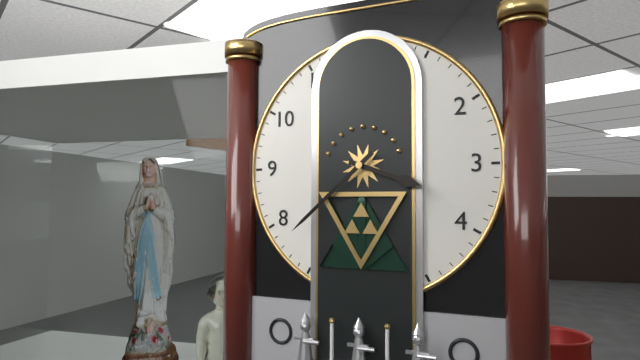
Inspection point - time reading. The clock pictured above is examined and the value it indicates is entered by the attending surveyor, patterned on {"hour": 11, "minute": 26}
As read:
{"hour": 3, "minute": 38}
